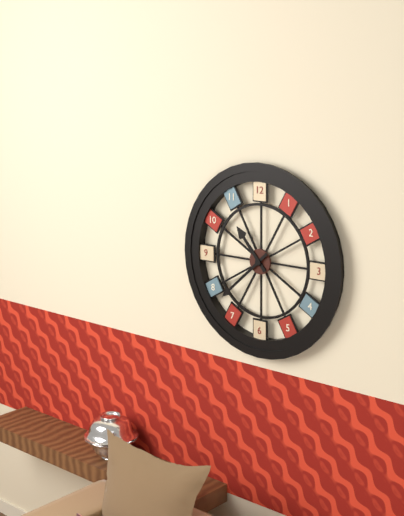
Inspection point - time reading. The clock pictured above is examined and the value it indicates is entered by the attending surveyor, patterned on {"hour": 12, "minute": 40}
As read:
{"hour": 10, "minute": 38}
